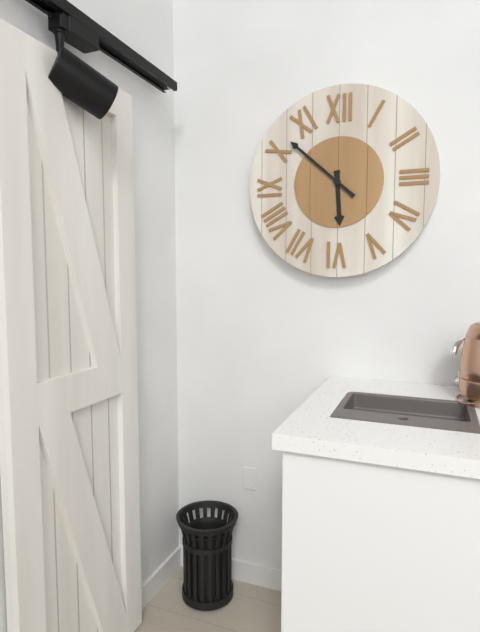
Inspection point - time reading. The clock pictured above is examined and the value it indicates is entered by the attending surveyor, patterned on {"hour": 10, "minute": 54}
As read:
{"hour": 5, "minute": 52}
